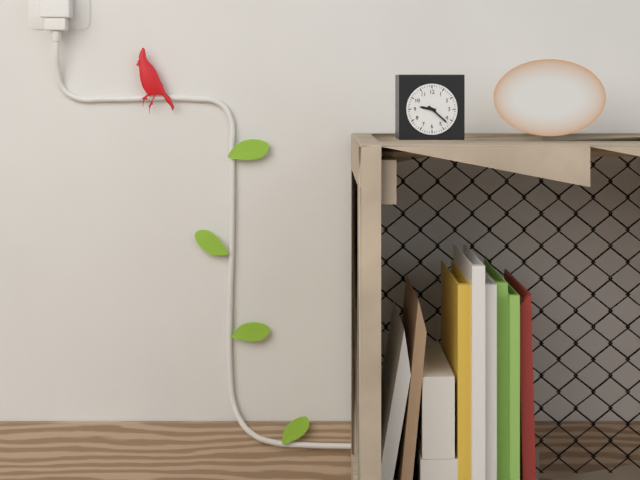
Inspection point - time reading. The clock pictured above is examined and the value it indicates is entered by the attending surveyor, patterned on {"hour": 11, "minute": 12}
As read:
{"hour": 9, "minute": 22}
